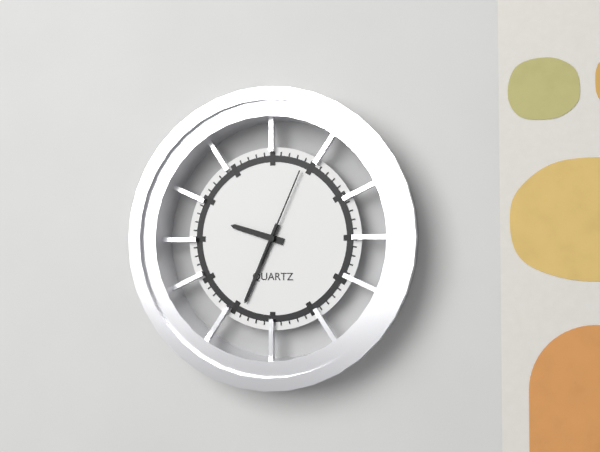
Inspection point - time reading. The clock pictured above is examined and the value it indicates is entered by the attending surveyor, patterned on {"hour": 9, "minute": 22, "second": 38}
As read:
{"hour": 9, "minute": 34, "second": 4}
